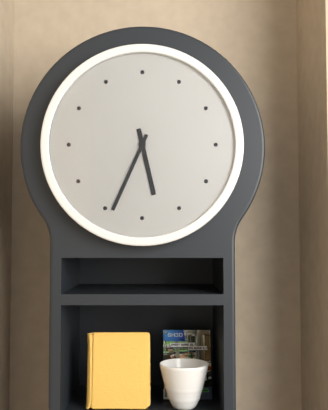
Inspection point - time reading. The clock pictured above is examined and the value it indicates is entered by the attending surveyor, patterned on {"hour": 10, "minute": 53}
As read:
{"hour": 5, "minute": 34}
